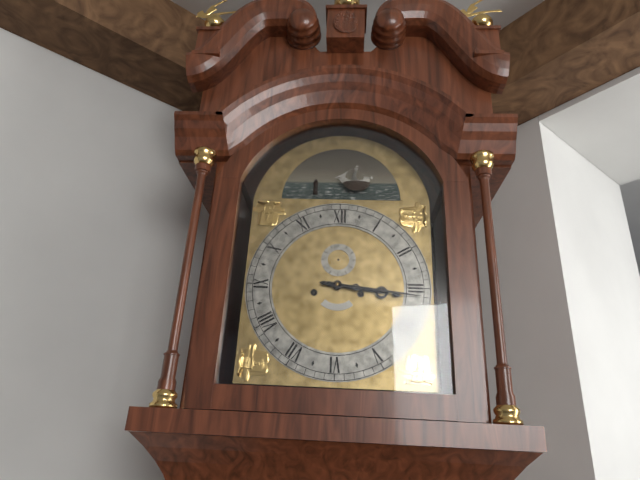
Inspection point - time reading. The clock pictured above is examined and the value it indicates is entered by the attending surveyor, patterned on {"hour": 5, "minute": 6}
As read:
{"hour": 3, "minute": 16}
